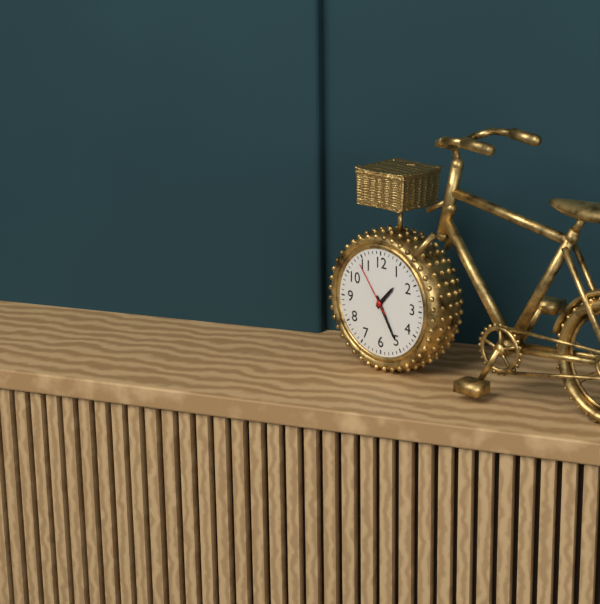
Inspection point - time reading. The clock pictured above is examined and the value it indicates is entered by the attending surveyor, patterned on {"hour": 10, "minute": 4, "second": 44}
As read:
{"hour": 1, "minute": 25, "second": 54}
